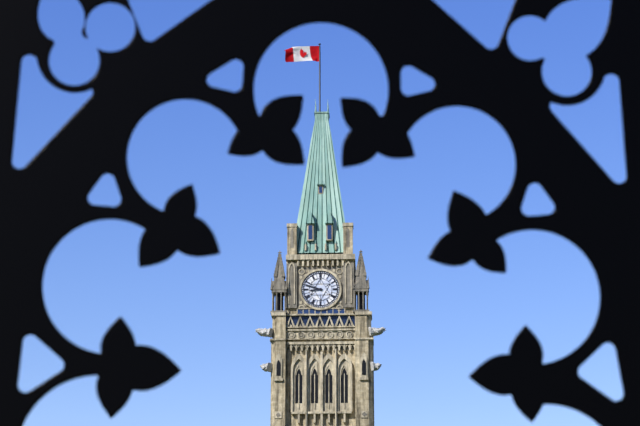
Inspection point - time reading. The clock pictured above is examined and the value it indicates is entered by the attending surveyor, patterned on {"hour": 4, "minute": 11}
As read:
{"hour": 8, "minute": 48}
